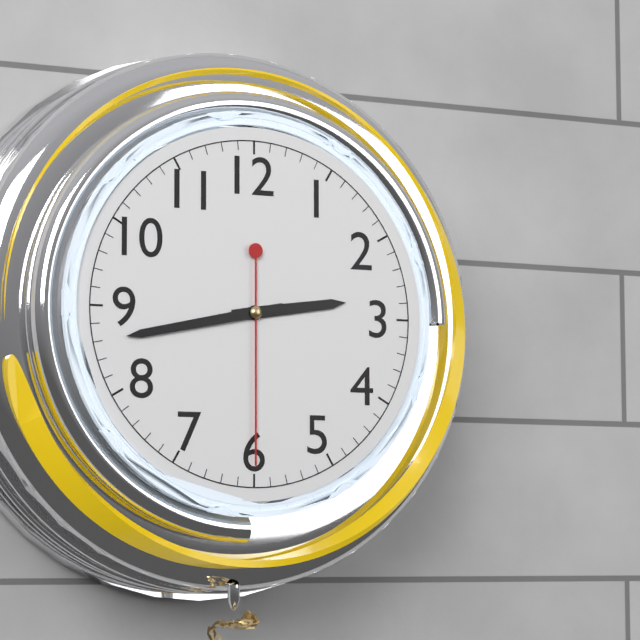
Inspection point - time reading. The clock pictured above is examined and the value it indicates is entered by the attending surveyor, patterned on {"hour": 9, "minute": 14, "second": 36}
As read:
{"hour": 2, "minute": 43, "second": 30}
